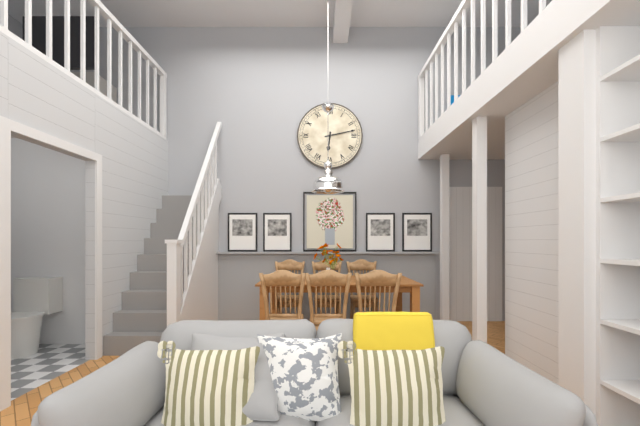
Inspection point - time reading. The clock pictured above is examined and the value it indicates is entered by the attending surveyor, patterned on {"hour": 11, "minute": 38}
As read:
{"hour": 6, "minute": 13}
